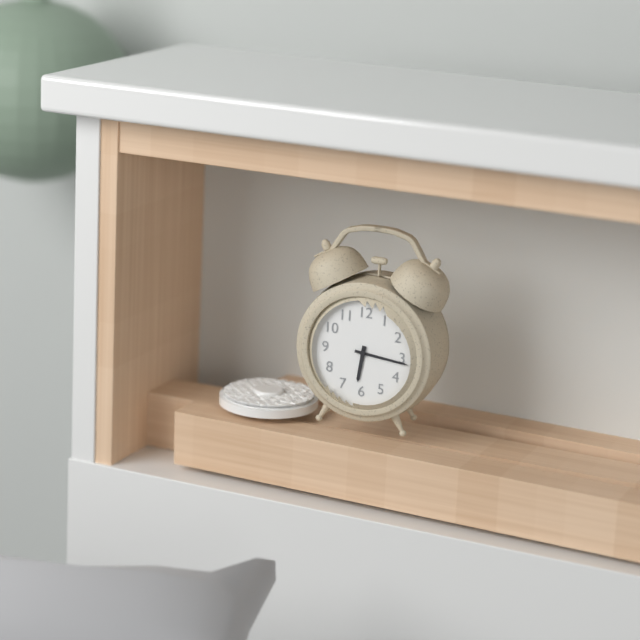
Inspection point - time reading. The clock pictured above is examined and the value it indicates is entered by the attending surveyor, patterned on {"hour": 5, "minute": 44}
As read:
{"hour": 6, "minute": 16}
